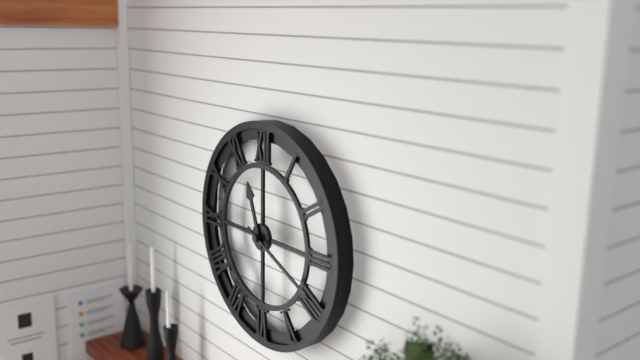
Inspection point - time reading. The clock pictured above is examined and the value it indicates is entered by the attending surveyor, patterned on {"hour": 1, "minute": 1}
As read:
{"hour": 11, "minute": 19}
